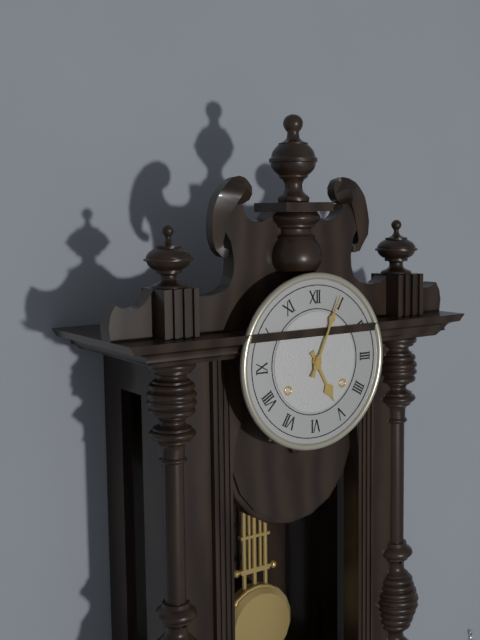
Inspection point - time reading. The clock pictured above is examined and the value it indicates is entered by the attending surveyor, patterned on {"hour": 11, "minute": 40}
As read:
{"hour": 5, "minute": 4}
